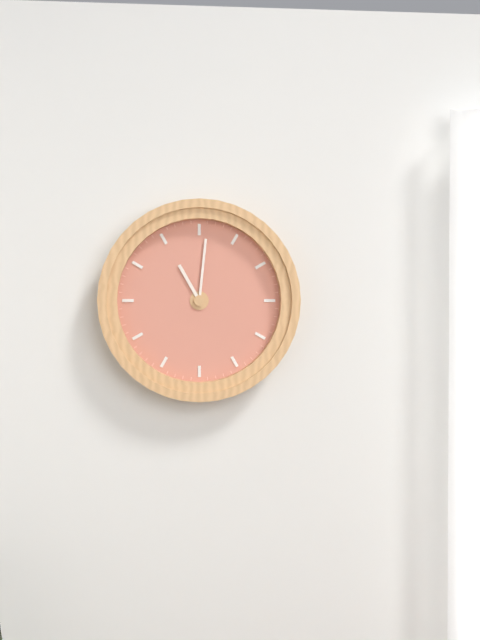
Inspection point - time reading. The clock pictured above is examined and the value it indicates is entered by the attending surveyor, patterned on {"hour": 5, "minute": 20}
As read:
{"hour": 11, "minute": 1}
